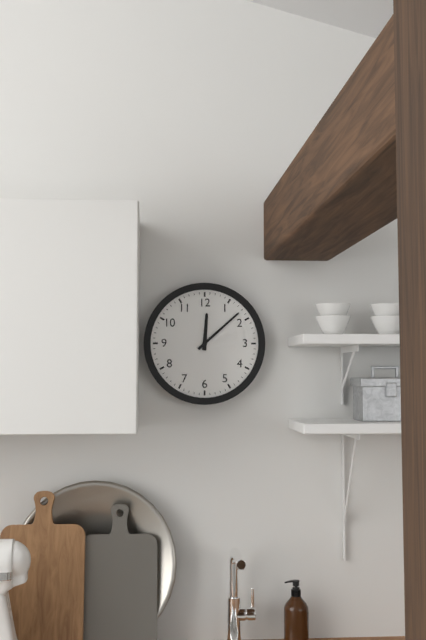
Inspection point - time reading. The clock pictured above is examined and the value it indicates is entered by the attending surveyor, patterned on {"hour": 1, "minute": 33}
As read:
{"hour": 12, "minute": 8}
